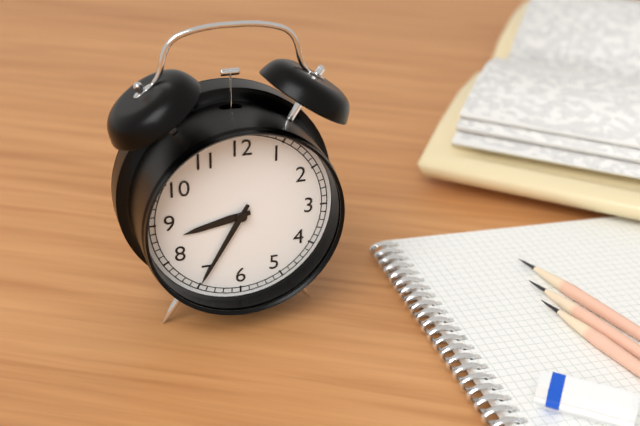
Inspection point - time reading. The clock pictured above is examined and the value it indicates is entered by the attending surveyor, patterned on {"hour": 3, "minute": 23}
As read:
{"hour": 8, "minute": 35}
